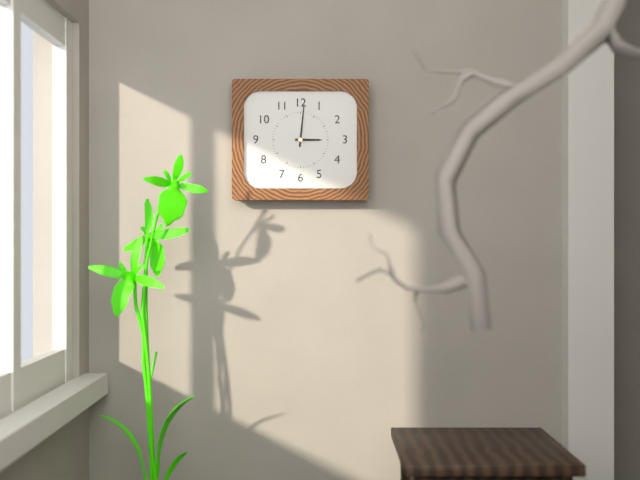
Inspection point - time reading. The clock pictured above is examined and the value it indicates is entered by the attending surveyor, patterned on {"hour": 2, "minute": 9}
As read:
{"hour": 3, "minute": 1}
